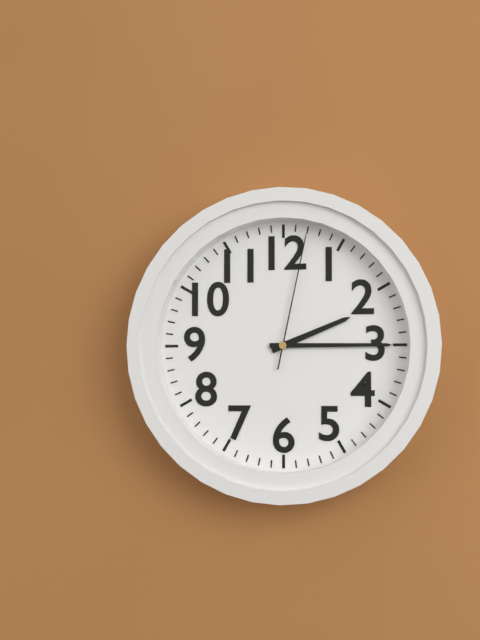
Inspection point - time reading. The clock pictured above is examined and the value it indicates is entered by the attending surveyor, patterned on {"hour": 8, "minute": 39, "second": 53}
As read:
{"hour": 2, "minute": 15, "second": 2}
